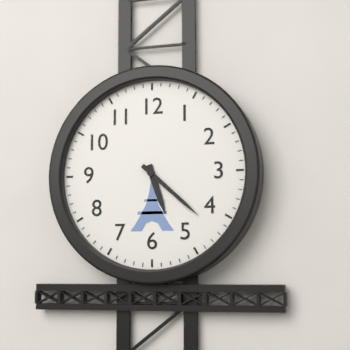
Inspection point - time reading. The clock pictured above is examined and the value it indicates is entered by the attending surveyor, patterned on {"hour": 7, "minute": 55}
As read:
{"hour": 5, "minute": 22}
